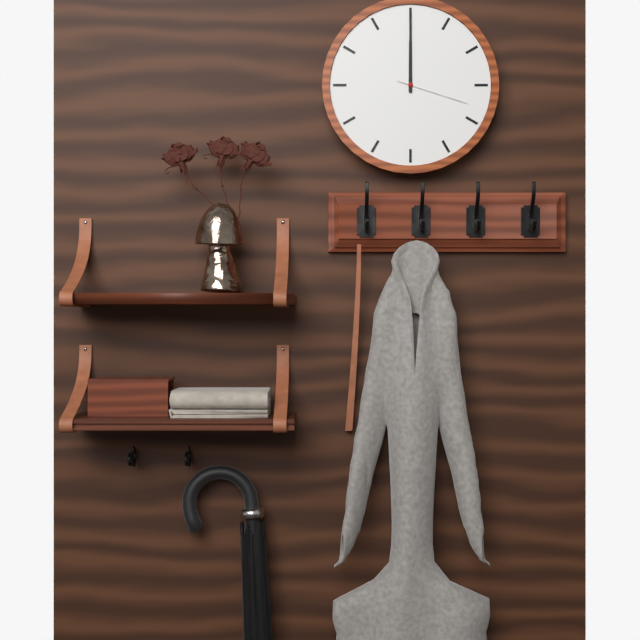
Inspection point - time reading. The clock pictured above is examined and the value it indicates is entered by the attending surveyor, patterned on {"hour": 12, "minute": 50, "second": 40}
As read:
{"hour": 12, "minute": 0, "second": 18}
